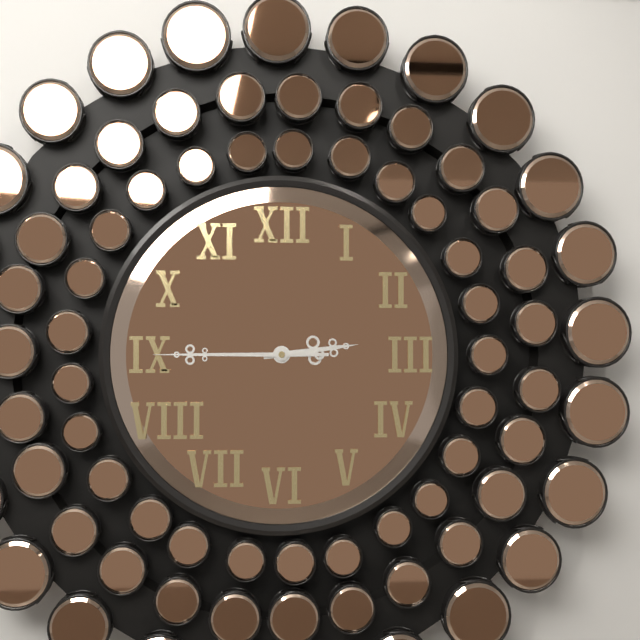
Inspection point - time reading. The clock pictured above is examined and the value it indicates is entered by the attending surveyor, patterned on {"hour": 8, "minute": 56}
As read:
{"hour": 2, "minute": 45}
